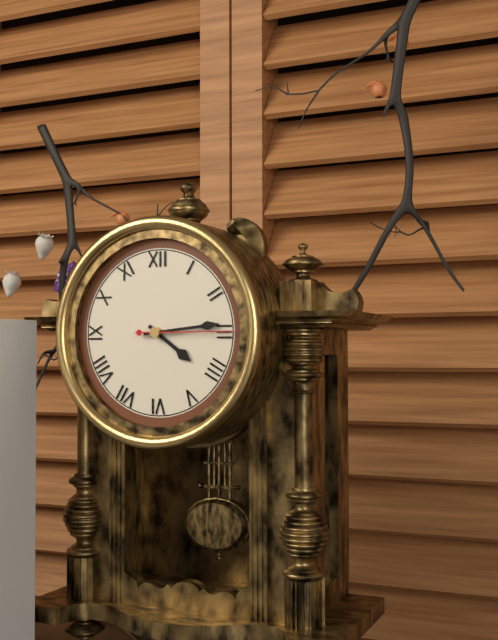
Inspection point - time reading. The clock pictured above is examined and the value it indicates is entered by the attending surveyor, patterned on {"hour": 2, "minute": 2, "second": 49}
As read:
{"hour": 4, "minute": 14, "second": 15}
